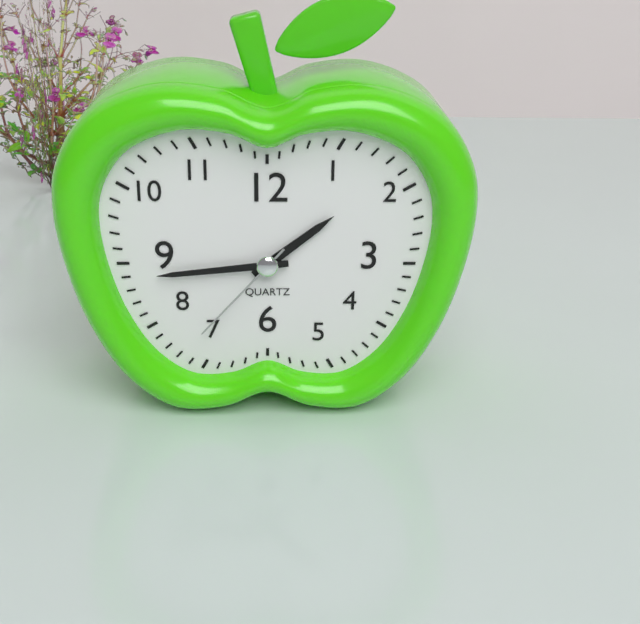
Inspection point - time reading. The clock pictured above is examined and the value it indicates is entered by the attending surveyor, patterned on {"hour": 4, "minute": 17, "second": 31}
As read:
{"hour": 1, "minute": 44, "second": 37}
